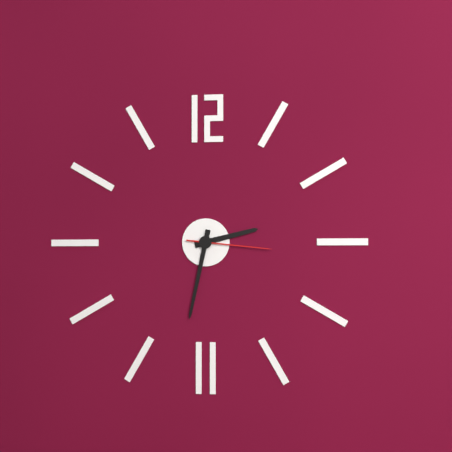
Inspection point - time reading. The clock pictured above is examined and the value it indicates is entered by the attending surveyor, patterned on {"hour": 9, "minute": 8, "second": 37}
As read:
{"hour": 2, "minute": 32, "second": 16}
